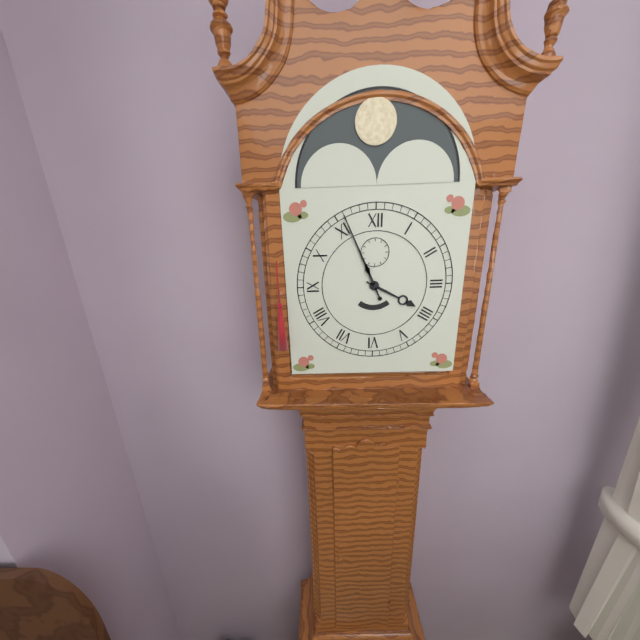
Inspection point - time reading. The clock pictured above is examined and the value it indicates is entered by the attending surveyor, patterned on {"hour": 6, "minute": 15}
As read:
{"hour": 3, "minute": 56}
